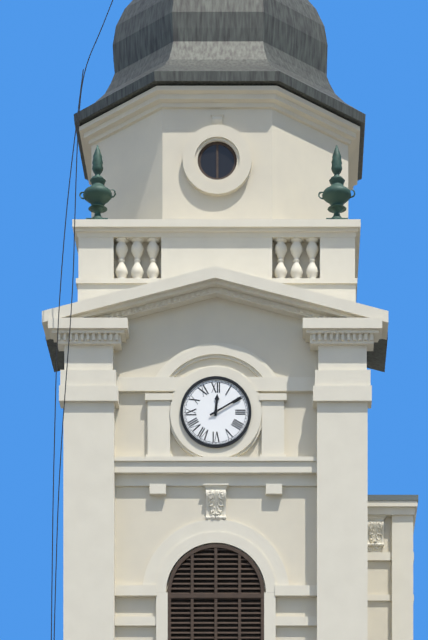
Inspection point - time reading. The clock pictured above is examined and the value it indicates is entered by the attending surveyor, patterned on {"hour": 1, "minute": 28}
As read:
{"hour": 12, "minute": 10}
